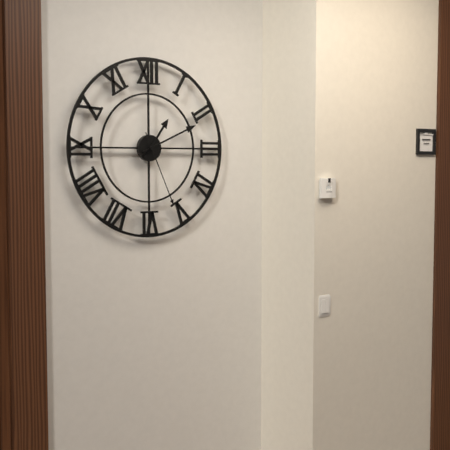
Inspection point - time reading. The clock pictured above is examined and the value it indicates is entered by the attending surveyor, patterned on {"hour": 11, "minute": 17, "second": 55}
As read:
{"hour": 1, "minute": 11, "second": 26}
